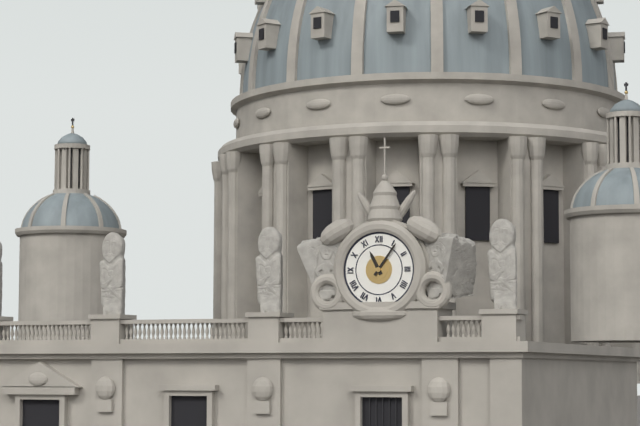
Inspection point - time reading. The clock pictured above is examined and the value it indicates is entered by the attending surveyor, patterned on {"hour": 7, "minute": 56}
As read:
{"hour": 11, "minute": 6}
